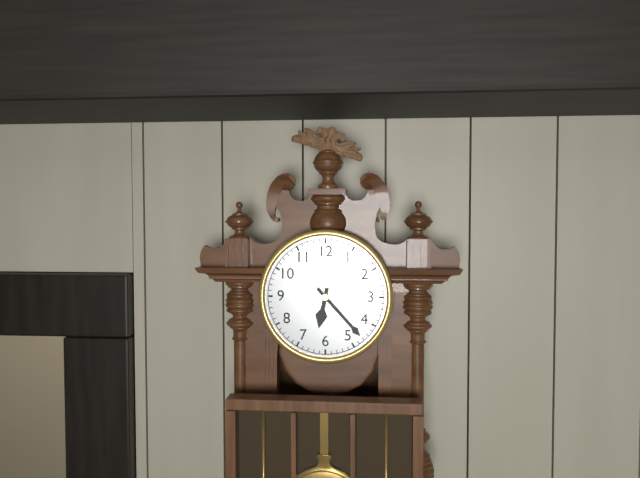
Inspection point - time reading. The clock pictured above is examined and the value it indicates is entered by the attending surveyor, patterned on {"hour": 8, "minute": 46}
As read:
{"hour": 6, "minute": 23}
